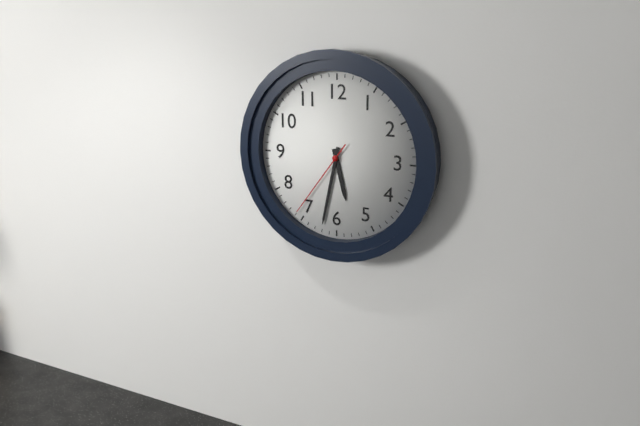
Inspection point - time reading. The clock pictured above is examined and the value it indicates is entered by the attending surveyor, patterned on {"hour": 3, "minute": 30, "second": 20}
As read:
{"hour": 5, "minute": 32, "second": 36}
